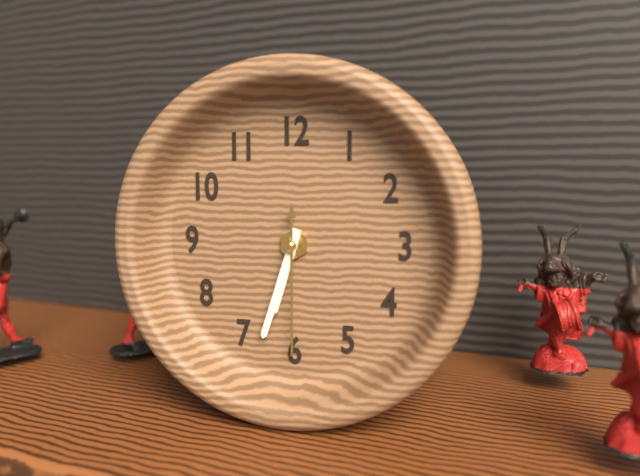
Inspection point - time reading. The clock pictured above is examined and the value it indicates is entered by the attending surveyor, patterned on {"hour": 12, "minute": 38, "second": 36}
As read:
{"hour": 6, "minute": 33, "second": 30}
